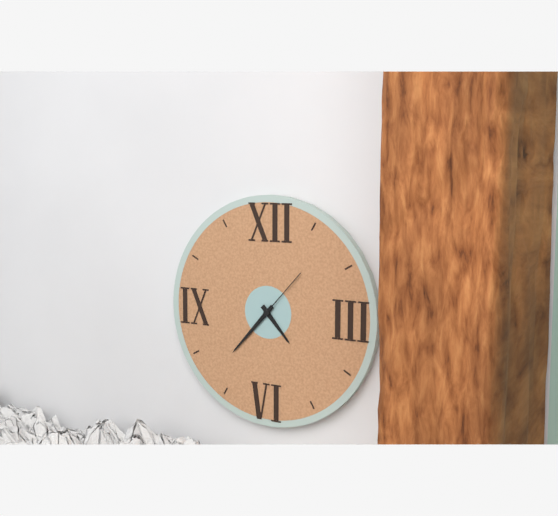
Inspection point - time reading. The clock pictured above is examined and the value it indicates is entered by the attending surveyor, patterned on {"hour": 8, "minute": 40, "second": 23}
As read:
{"hour": 4, "minute": 37, "second": 7}
